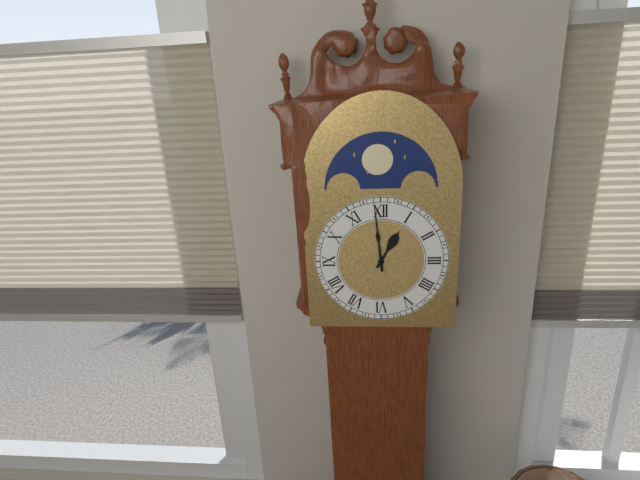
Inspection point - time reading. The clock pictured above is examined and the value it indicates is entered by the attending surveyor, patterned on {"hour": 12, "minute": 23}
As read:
{"hour": 12, "minute": 59}
